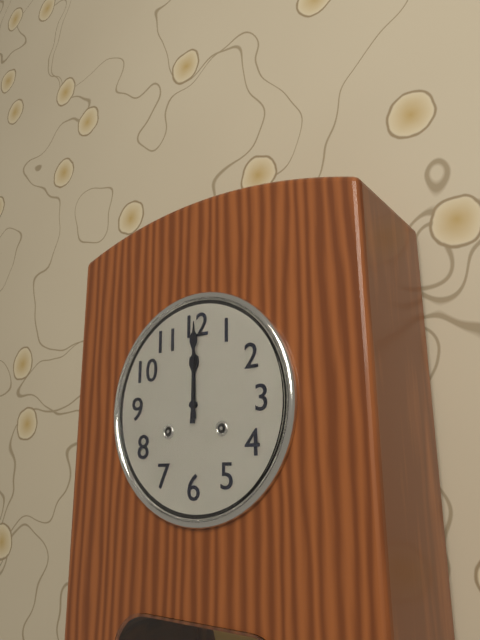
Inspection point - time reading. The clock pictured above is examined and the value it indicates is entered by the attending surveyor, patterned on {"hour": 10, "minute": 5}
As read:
{"hour": 12, "minute": 0}
